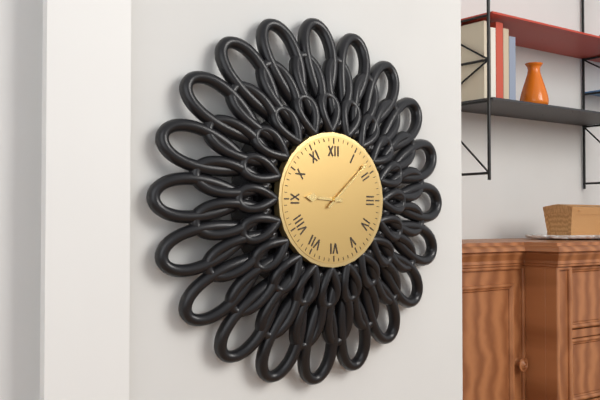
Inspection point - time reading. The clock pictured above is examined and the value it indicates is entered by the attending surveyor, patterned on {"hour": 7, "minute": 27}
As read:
{"hour": 9, "minute": 8}
